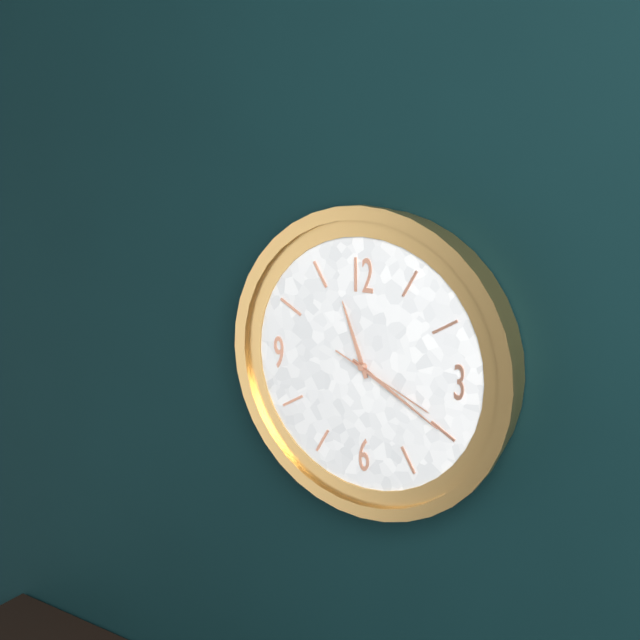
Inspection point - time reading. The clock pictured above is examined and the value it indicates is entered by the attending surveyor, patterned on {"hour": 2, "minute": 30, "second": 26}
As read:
{"hour": 11, "minute": 20, "second": 19}
